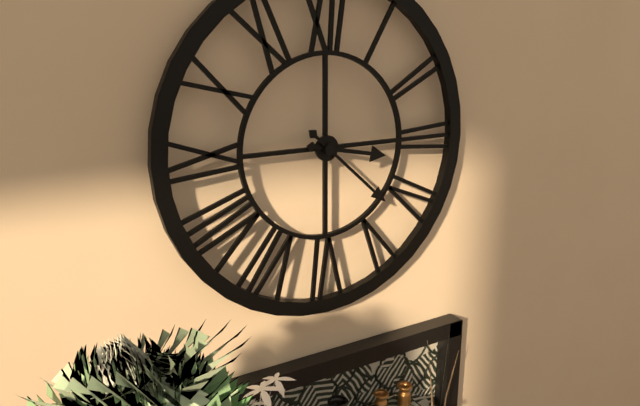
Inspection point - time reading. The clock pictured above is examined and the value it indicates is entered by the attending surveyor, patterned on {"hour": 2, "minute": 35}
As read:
{"hour": 3, "minute": 22}
